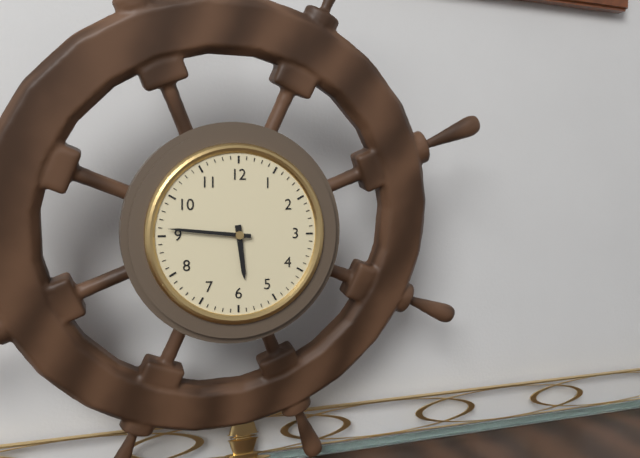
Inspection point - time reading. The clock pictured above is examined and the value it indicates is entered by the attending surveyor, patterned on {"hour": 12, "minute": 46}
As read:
{"hour": 5, "minute": 46}
